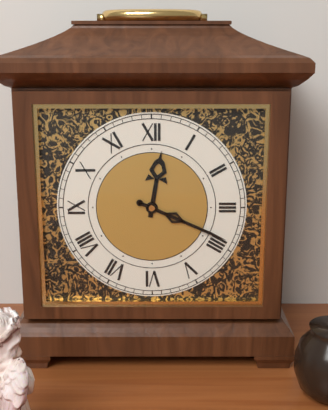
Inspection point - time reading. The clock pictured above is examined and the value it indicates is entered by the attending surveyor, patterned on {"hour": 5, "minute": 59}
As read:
{"hour": 12, "minute": 19}
